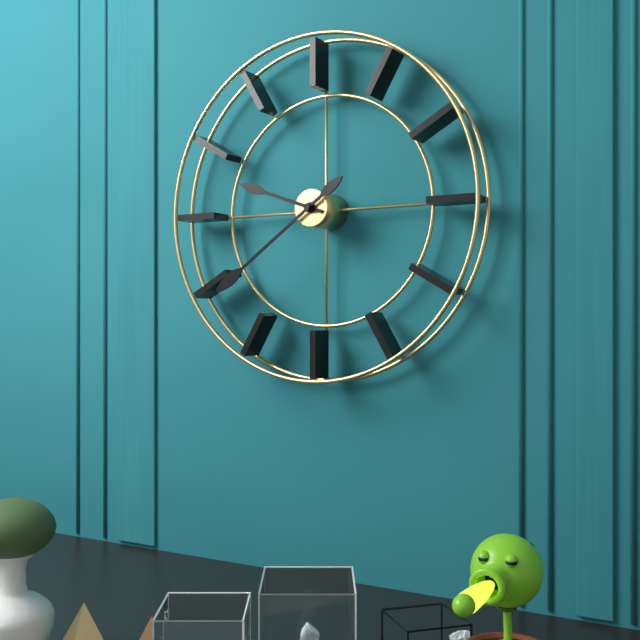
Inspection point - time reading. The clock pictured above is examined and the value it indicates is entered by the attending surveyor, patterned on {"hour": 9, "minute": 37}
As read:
{"hour": 9, "minute": 39}
